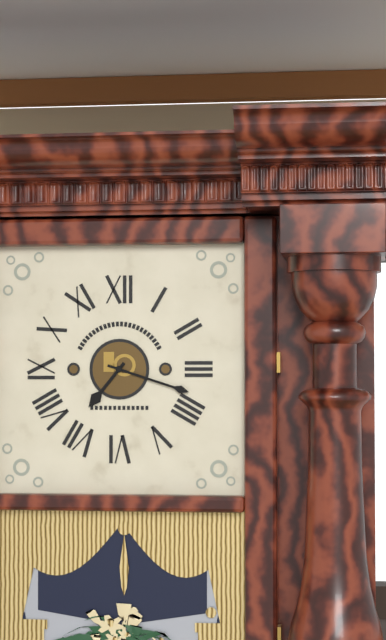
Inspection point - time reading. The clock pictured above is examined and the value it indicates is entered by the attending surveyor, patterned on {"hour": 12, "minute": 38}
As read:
{"hour": 7, "minute": 18}
